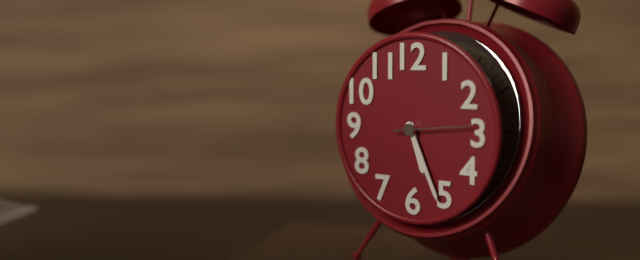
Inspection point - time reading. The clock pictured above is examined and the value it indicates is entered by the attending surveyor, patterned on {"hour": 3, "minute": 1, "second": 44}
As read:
{"hour": 5, "minute": 26, "second": 14}
